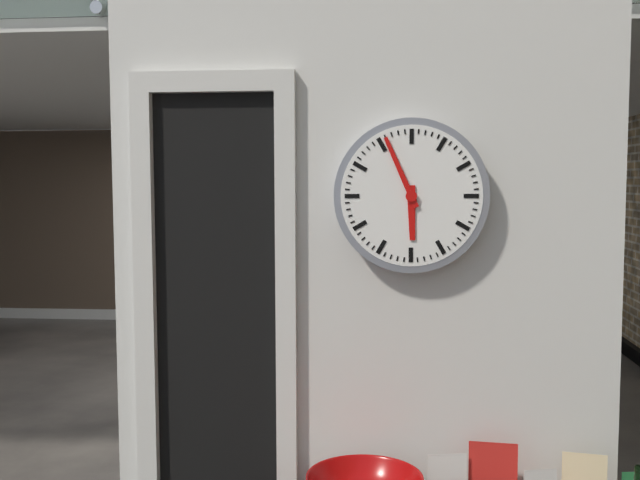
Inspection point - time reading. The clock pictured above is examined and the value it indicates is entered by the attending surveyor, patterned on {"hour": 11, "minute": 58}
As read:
{"hour": 5, "minute": 56}
